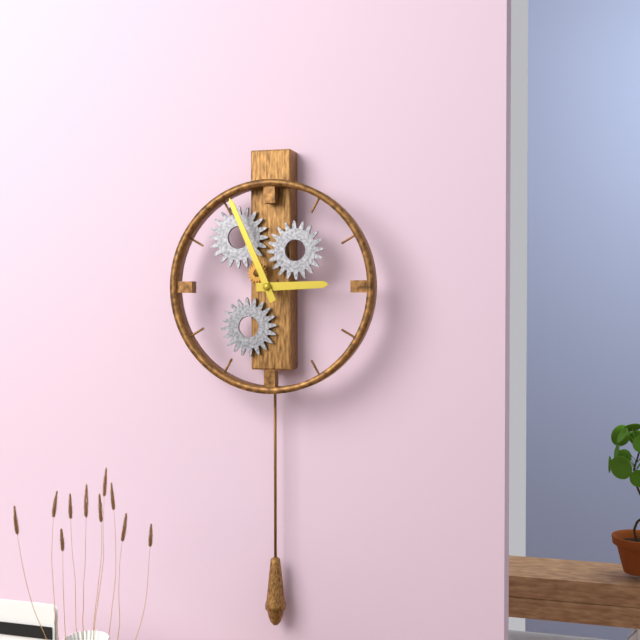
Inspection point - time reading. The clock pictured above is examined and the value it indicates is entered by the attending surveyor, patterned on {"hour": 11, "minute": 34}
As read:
{"hour": 2, "minute": 56}
